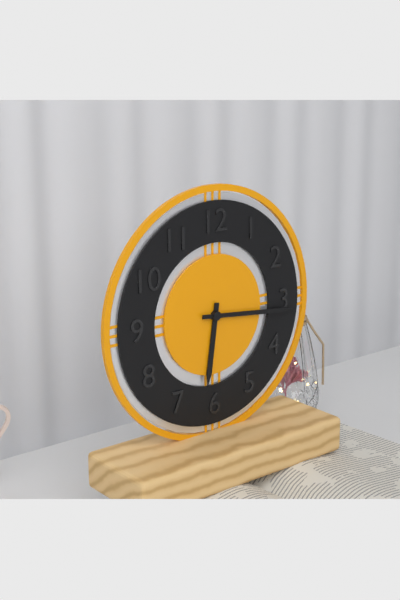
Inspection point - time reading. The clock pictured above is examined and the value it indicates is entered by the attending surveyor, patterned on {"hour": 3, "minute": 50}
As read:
{"hour": 6, "minute": 16}
